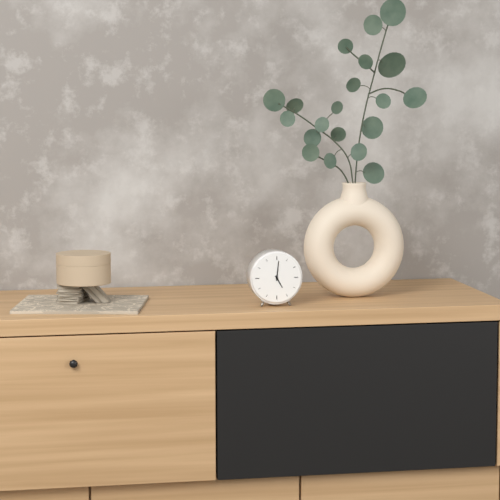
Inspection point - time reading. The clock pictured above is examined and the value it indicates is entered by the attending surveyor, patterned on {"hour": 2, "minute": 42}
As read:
{"hour": 5, "minute": 1}
